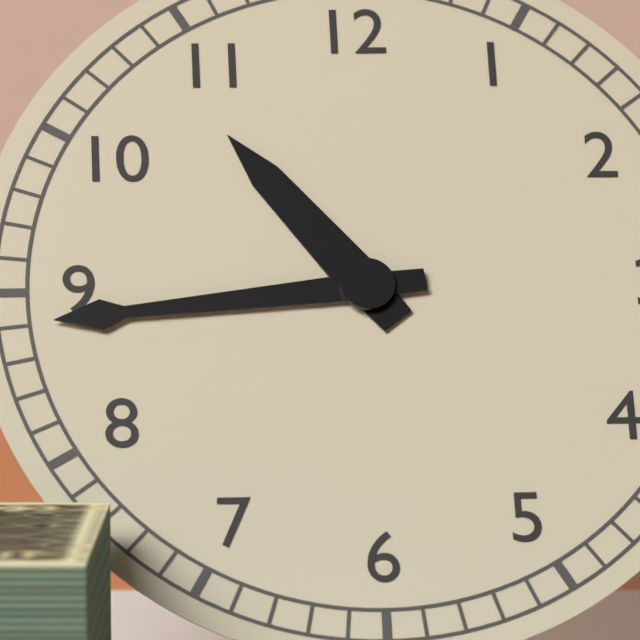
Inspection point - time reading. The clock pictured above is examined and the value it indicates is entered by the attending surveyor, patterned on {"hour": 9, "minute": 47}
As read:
{"hour": 10, "minute": 44}
